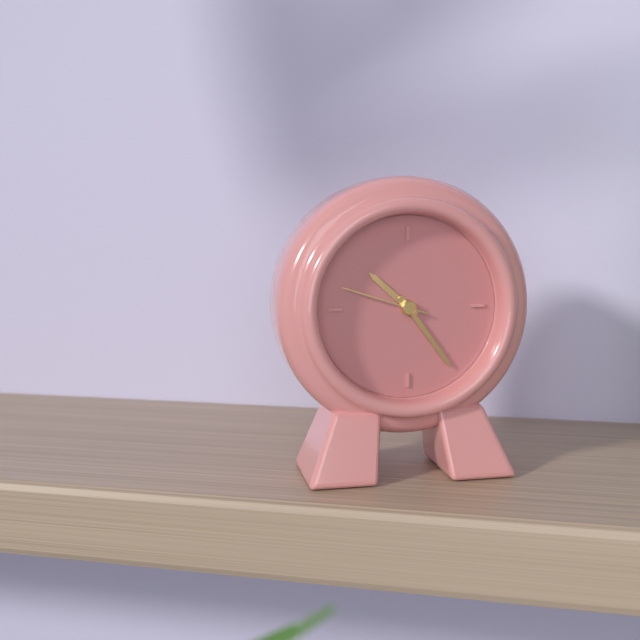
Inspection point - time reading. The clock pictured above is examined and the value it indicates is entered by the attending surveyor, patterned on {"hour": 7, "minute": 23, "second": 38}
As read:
{"hour": 10, "minute": 24, "second": 48}
